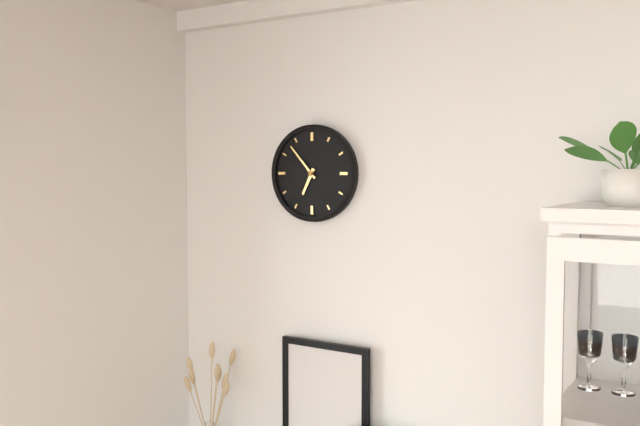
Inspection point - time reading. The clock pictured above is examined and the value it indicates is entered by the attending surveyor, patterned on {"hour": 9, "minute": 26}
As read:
{"hour": 6, "minute": 53}
